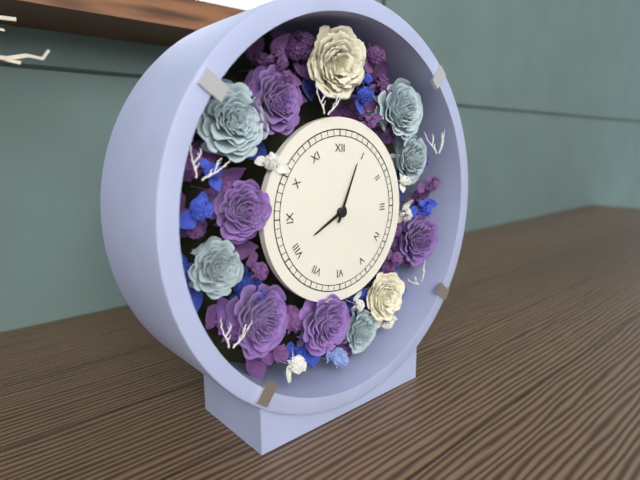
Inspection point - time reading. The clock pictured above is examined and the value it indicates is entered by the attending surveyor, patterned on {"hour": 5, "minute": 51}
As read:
{"hour": 8, "minute": 4}
